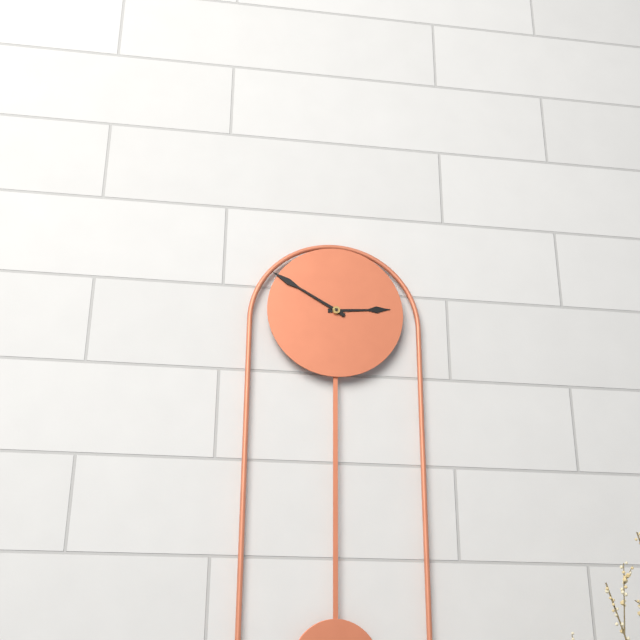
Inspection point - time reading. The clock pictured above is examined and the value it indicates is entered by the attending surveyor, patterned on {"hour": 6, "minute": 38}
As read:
{"hour": 2, "minute": 50}
